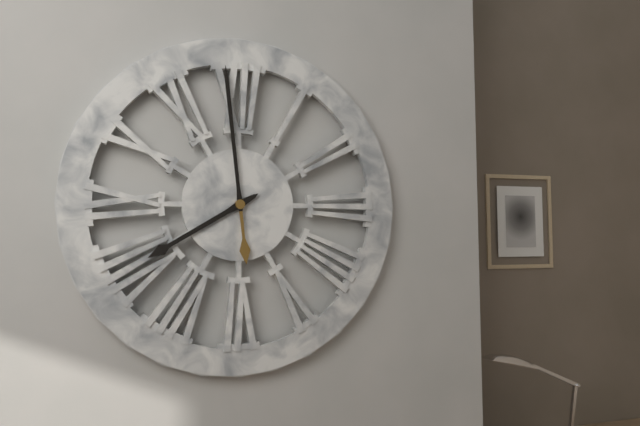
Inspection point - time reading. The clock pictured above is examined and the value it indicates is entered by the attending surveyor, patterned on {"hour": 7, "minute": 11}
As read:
{"hour": 7, "minute": 59}
